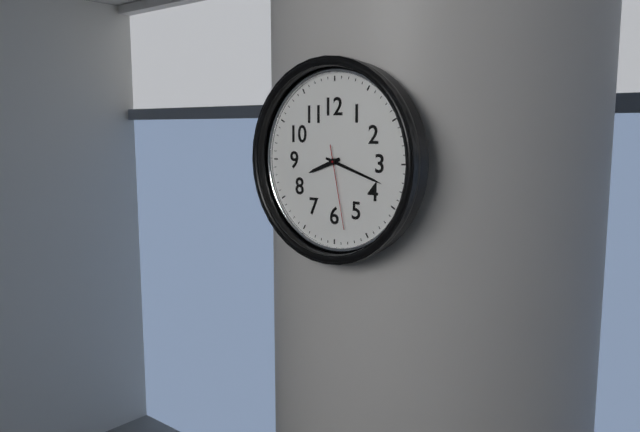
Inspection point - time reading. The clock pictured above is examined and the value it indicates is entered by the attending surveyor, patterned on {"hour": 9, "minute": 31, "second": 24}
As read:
{"hour": 8, "minute": 18, "second": 28}
